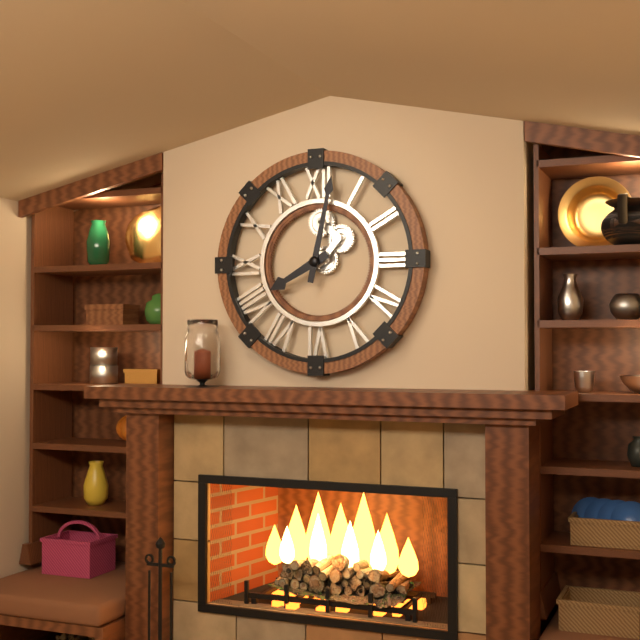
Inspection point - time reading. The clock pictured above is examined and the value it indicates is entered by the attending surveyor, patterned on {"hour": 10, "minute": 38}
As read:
{"hour": 8, "minute": 2}
